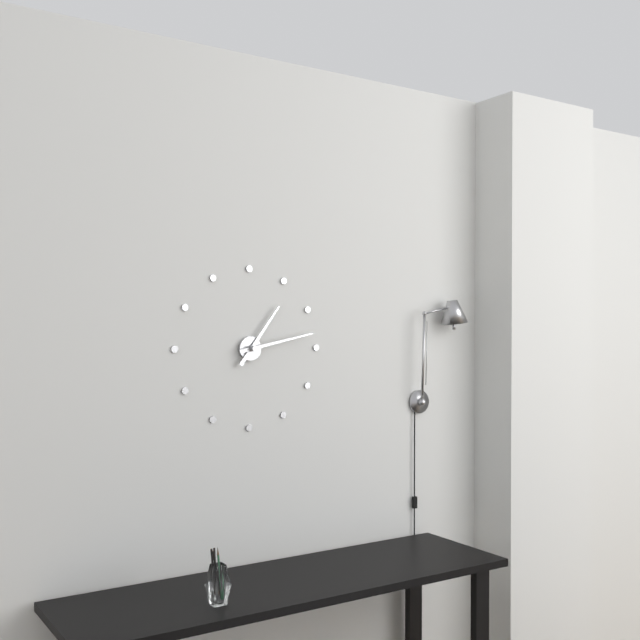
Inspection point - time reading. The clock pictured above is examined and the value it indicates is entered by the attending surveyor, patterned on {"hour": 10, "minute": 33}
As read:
{"hour": 1, "minute": 13}
